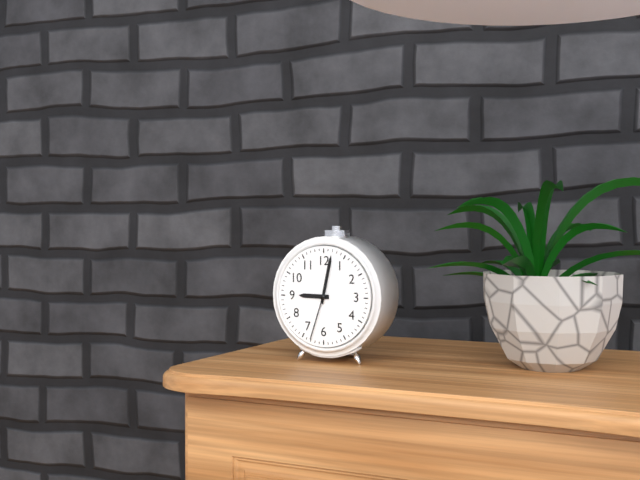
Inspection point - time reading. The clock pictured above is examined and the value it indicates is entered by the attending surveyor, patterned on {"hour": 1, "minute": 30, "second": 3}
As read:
{"hour": 9, "minute": 2, "second": 33}
